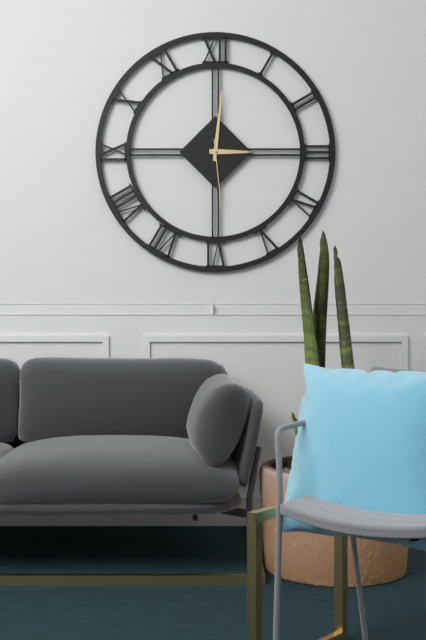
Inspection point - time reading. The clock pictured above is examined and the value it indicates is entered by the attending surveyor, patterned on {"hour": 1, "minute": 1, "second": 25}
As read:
{"hour": 3, "minute": 1, "second": 29}
